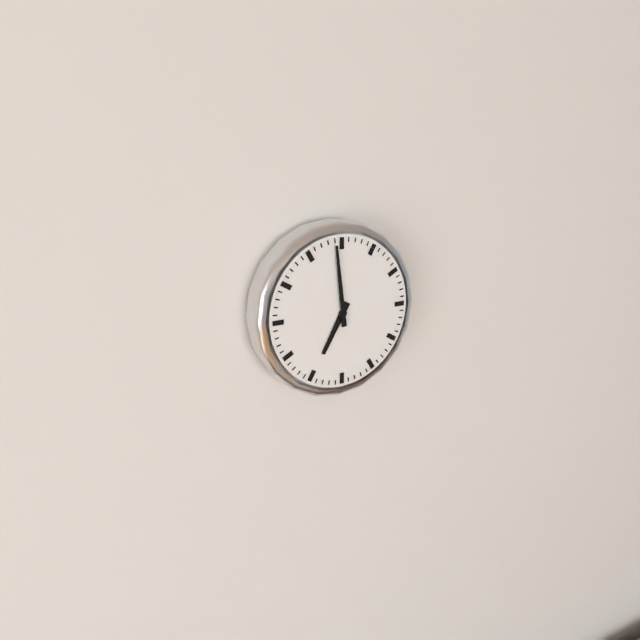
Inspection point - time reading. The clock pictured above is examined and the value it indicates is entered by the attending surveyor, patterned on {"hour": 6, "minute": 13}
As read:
{"hour": 6, "minute": 59}
